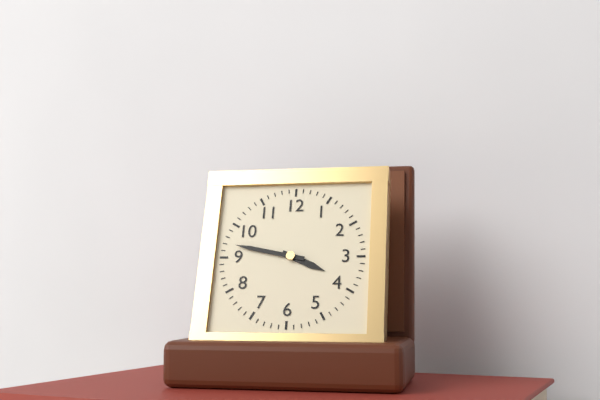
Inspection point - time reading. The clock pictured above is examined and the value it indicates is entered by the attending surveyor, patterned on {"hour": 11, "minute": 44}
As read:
{"hour": 3, "minute": 47}
